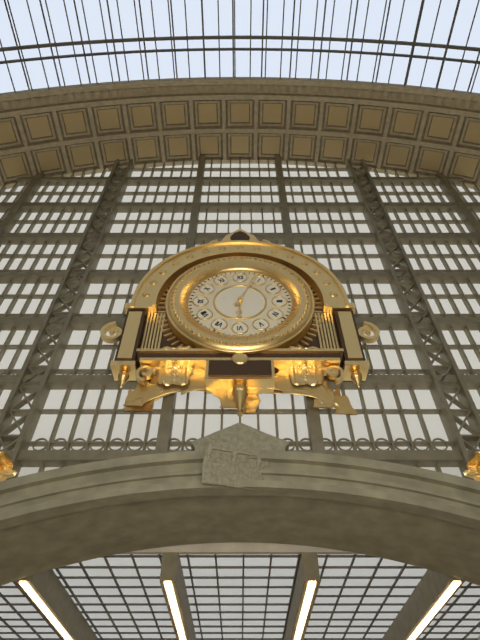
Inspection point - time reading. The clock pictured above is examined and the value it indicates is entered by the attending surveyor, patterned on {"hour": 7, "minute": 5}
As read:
{"hour": 6, "minute": 4}
